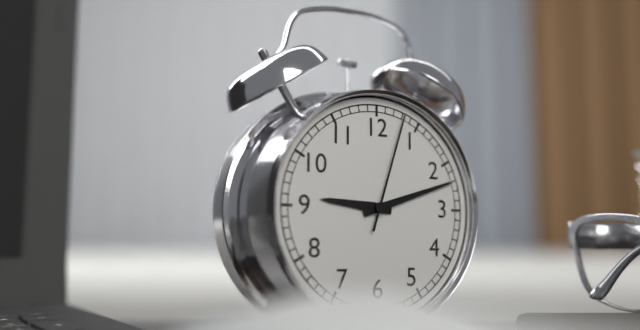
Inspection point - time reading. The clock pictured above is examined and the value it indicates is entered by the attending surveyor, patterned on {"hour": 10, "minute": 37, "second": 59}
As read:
{"hour": 9, "minute": 12, "second": 3}
